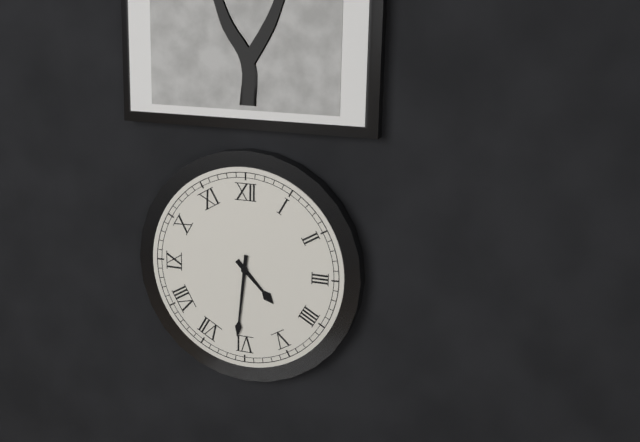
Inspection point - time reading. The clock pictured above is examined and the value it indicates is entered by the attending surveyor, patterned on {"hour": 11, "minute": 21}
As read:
{"hour": 4, "minute": 31}
